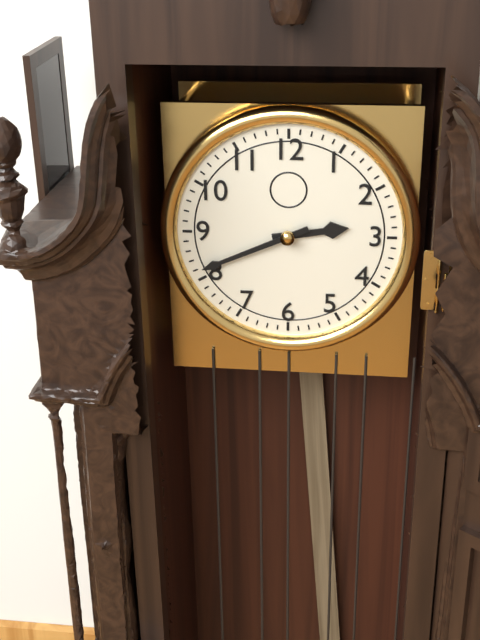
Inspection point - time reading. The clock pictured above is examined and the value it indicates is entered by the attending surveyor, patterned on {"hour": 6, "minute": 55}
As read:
{"hour": 2, "minute": 41}
